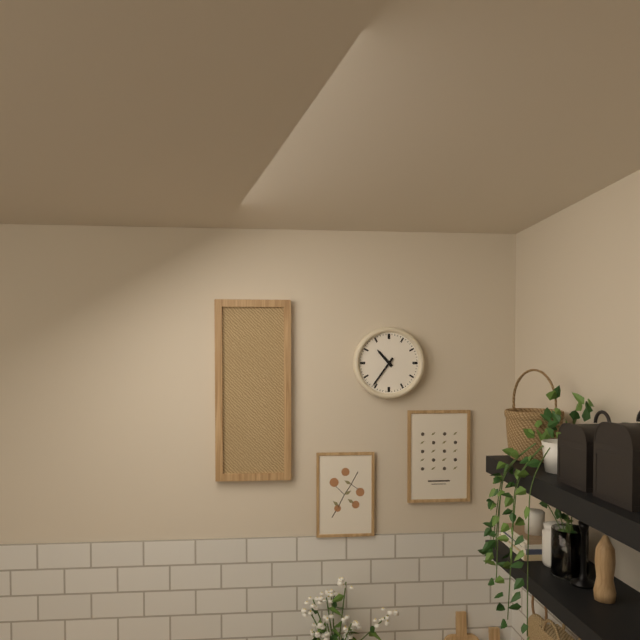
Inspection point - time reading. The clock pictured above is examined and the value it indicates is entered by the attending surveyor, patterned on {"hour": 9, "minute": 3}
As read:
{"hour": 10, "minute": 36}
